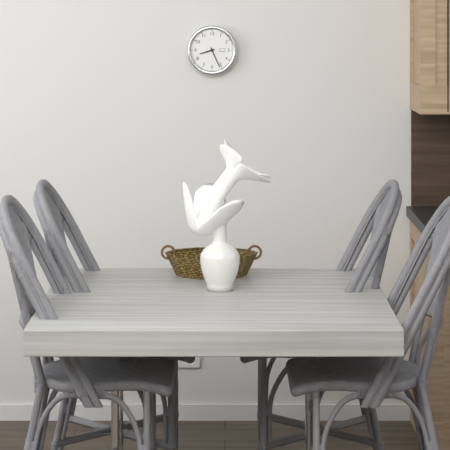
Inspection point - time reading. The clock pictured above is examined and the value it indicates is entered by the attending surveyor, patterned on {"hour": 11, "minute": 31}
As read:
{"hour": 8, "minute": 26}
